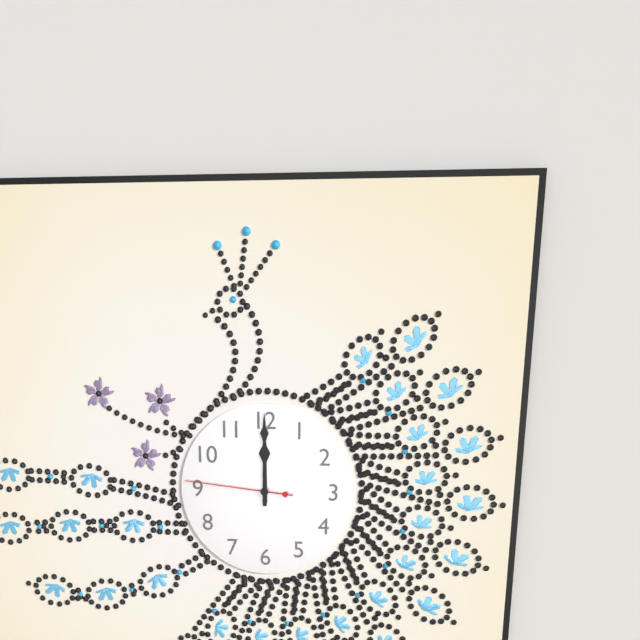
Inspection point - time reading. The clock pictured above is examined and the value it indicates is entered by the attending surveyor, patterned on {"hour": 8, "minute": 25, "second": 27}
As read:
{"hour": 12, "minute": 0, "second": 46}
